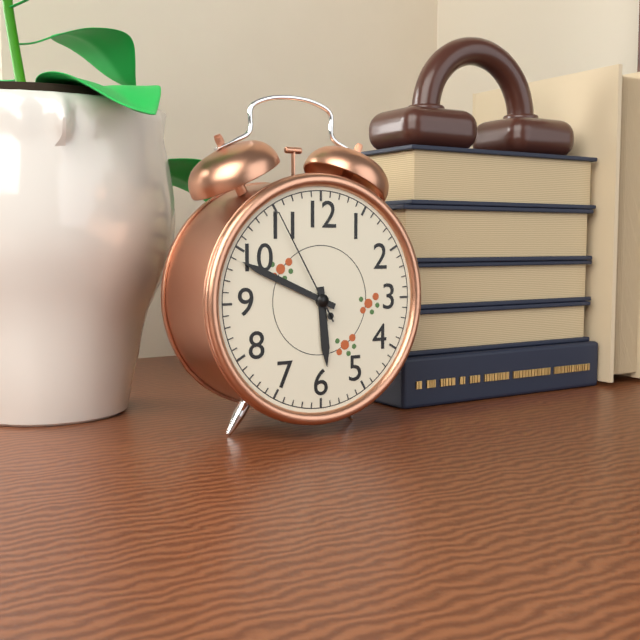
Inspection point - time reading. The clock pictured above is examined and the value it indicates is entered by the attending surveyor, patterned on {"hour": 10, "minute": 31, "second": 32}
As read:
{"hour": 5, "minute": 49, "second": 55}
